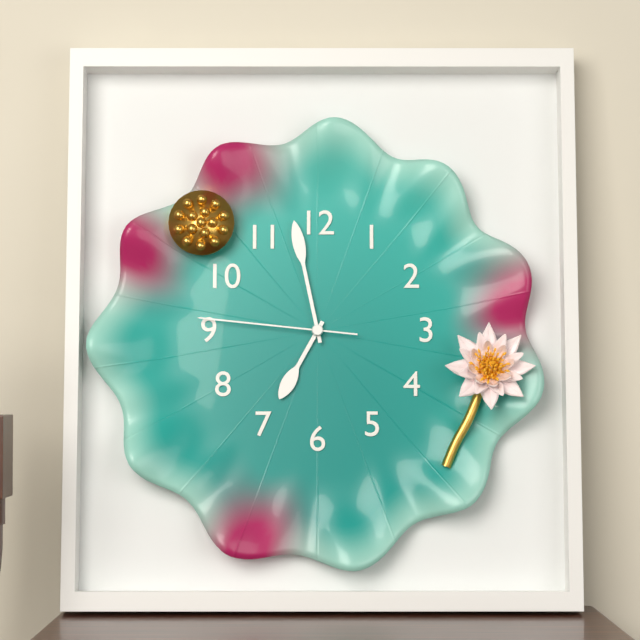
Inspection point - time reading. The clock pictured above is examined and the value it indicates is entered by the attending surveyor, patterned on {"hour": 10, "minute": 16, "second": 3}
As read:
{"hour": 6, "minute": 58, "second": 46}
